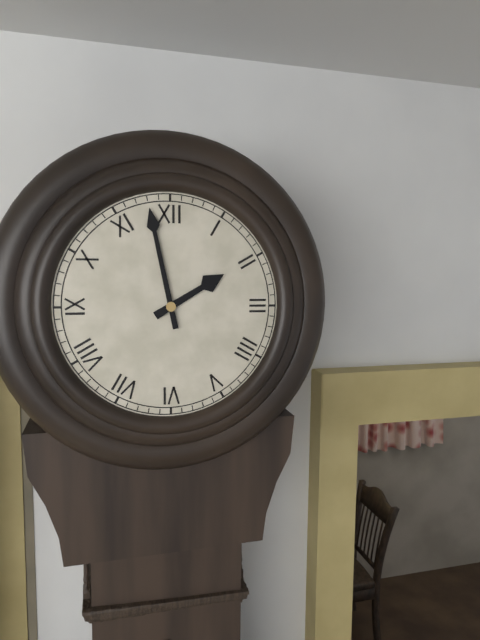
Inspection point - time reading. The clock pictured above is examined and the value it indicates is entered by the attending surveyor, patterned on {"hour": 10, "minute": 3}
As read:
{"hour": 1, "minute": 58}
